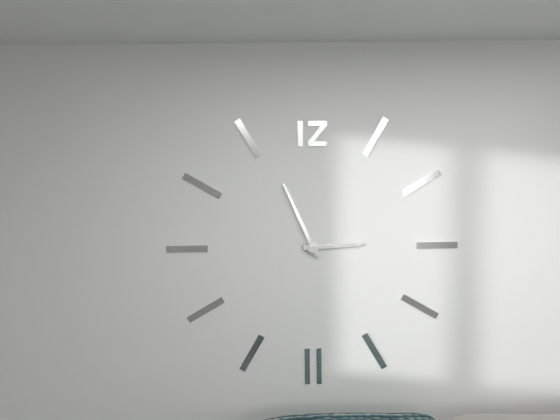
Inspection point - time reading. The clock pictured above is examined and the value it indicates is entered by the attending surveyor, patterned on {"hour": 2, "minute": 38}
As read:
{"hour": 2, "minute": 56}
